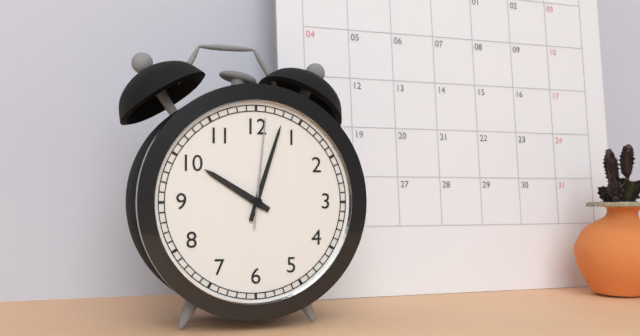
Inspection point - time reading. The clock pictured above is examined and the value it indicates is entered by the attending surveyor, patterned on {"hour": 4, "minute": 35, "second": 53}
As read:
{"hour": 10, "minute": 3, "second": 1}
